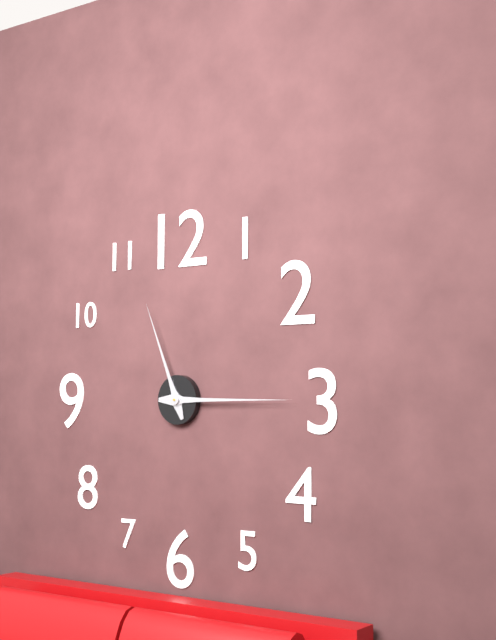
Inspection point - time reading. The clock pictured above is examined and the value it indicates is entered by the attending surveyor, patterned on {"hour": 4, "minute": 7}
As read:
{"hour": 11, "minute": 15}
